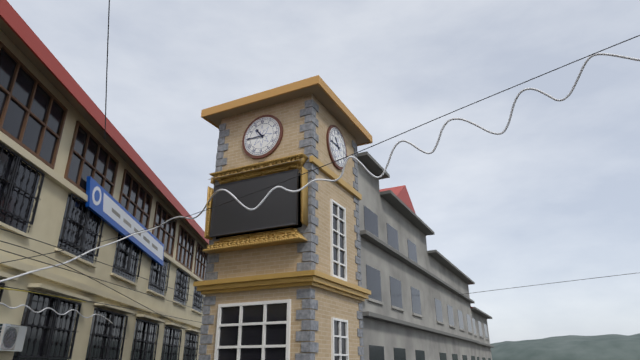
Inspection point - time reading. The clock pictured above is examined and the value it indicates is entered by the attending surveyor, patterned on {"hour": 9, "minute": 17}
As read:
{"hour": 10, "minute": 45}
